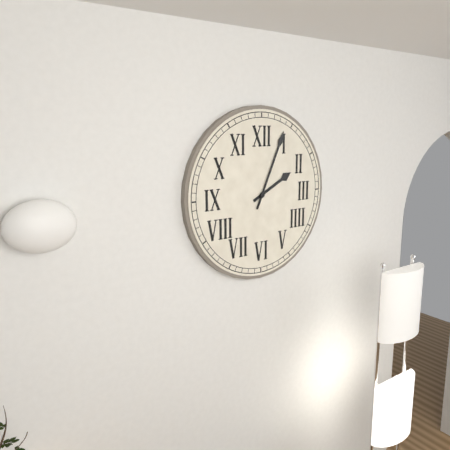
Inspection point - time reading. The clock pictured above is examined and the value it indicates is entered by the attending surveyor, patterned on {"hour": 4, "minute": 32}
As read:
{"hour": 2, "minute": 4}
